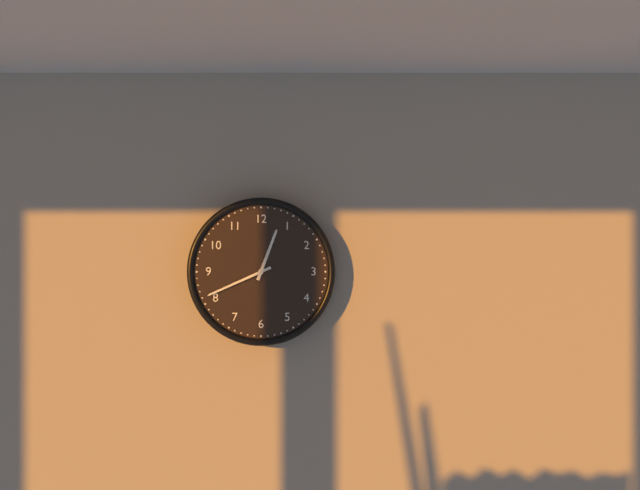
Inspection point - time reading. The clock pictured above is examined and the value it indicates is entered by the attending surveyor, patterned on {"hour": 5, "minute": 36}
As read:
{"hour": 12, "minute": 41}
